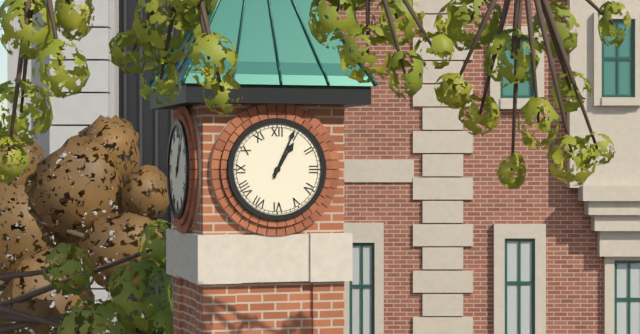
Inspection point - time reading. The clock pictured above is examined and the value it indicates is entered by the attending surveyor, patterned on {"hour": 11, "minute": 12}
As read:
{"hour": 1, "minute": 4}
